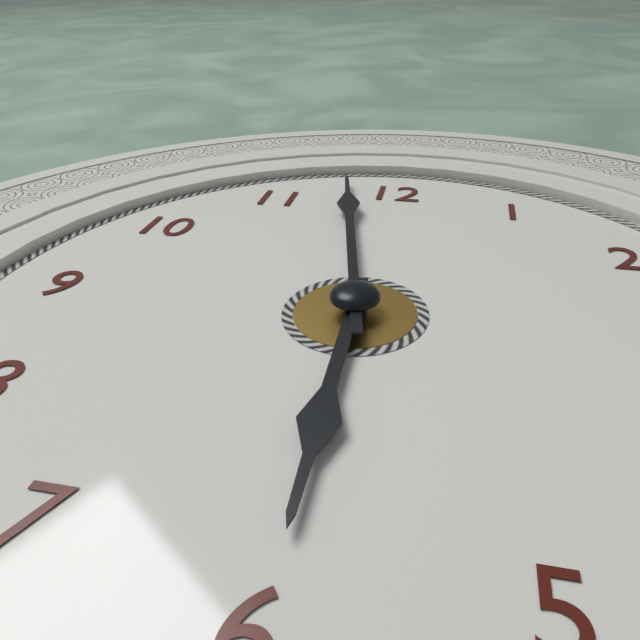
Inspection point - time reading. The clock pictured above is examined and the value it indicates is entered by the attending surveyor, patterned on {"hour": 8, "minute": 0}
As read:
{"hour": 5, "minute": 58}
